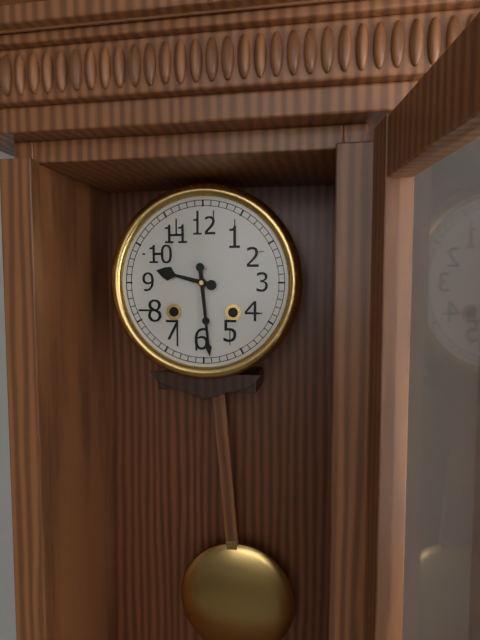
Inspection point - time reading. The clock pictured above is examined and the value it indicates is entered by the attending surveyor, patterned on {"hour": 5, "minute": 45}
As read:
{"hour": 9, "minute": 29}
